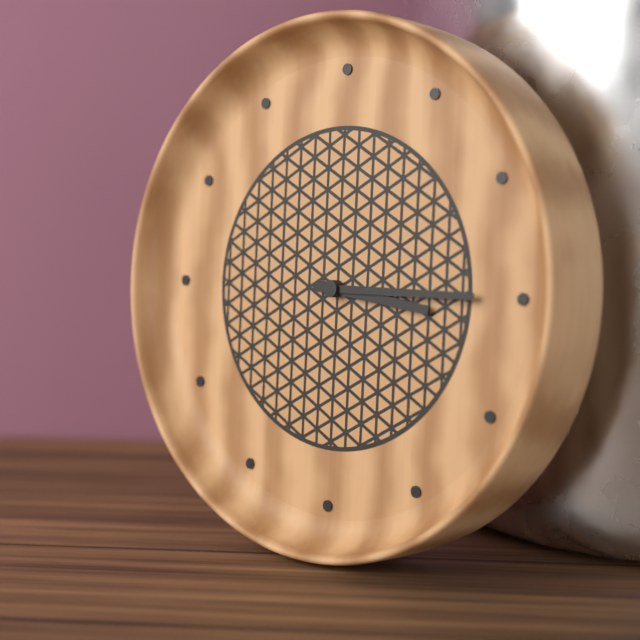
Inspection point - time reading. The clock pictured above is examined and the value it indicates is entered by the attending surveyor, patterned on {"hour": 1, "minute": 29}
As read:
{"hour": 3, "minute": 15}
